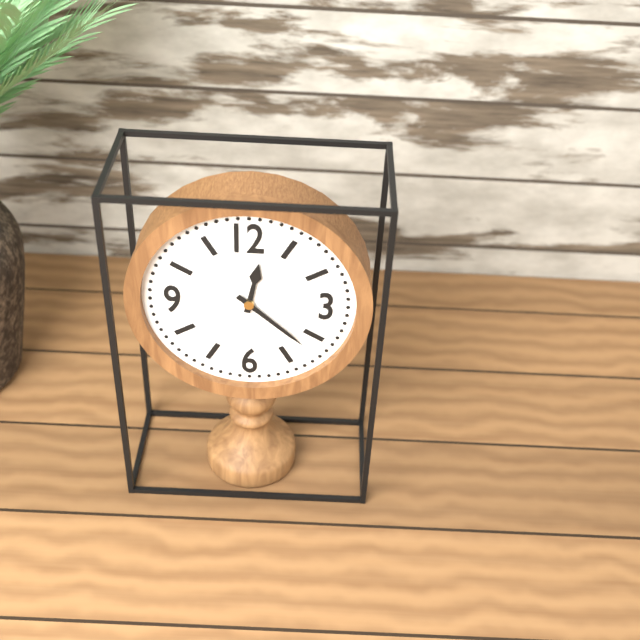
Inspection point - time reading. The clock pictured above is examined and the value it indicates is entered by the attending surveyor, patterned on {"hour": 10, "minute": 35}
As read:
{"hour": 12, "minute": 22}
